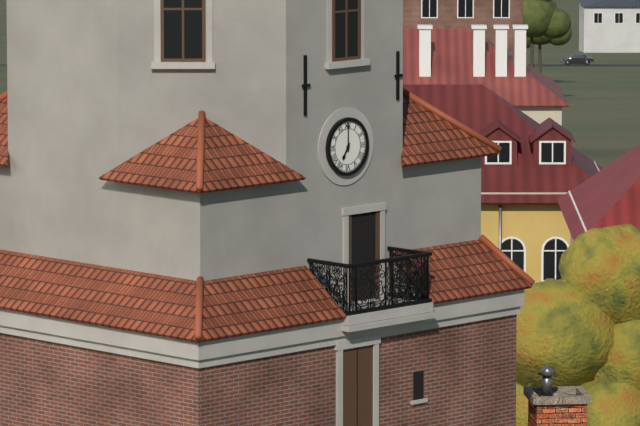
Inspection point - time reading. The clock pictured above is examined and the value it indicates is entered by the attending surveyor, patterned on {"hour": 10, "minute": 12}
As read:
{"hour": 7, "minute": 0}
